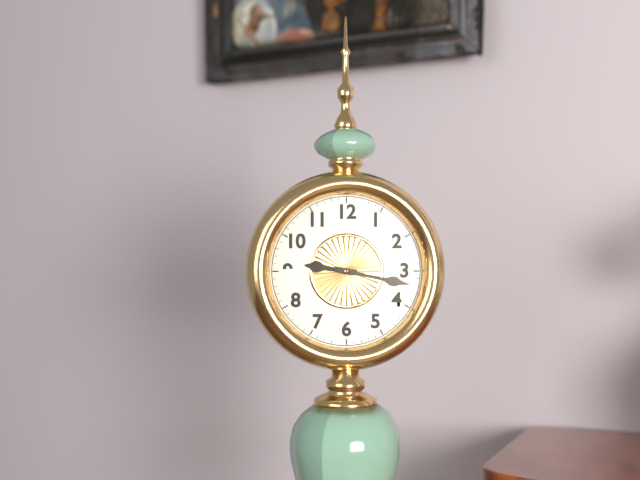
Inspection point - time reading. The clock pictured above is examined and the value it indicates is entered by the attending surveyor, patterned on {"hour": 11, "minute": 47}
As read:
{"hour": 9, "minute": 17}
